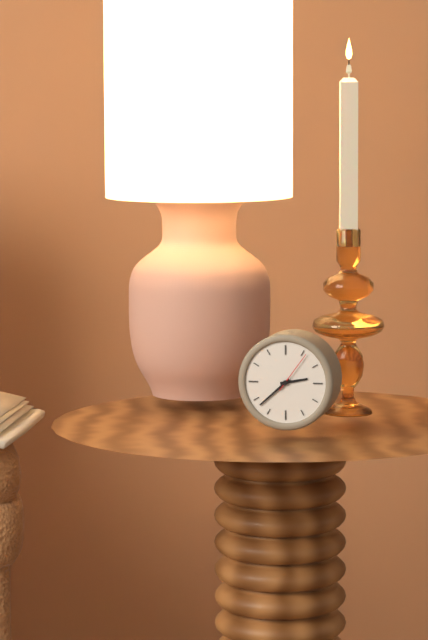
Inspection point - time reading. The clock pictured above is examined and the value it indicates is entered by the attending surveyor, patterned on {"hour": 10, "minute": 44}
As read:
{"hour": 2, "minute": 38}
